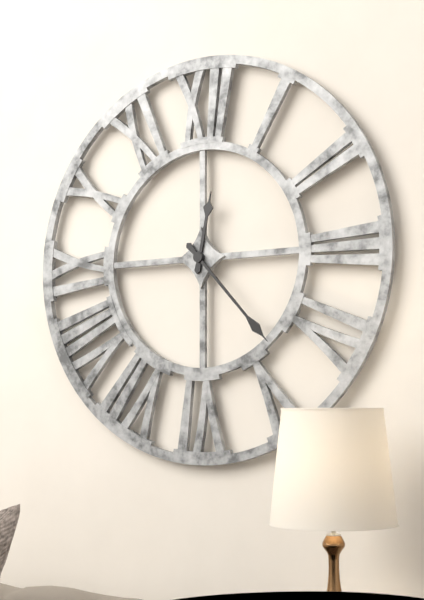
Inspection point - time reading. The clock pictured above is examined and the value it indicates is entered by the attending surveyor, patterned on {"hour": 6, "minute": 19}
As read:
{"hour": 12, "minute": 23}
